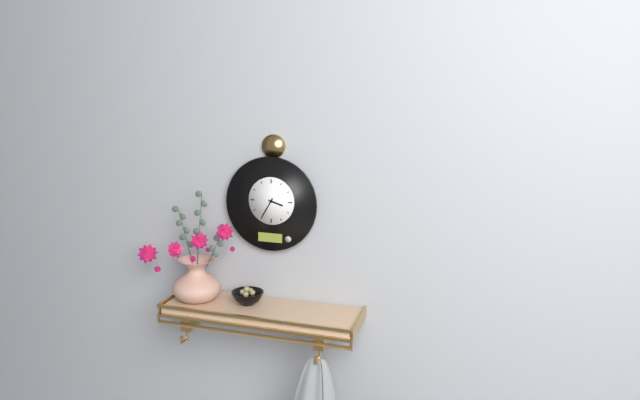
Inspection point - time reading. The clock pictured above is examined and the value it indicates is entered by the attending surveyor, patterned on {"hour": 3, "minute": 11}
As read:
{"hour": 3, "minute": 35}
